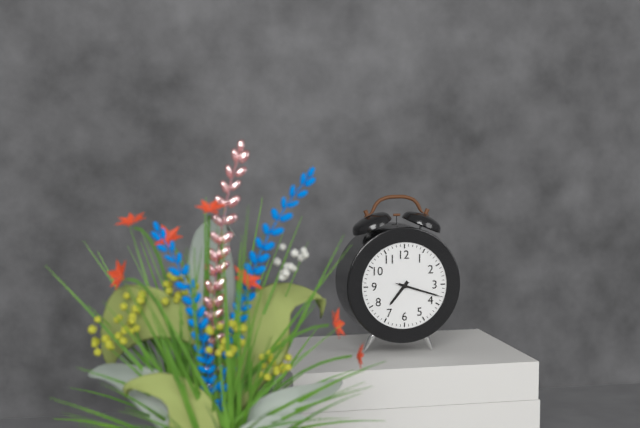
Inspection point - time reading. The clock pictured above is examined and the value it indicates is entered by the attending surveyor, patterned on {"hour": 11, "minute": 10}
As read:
{"hour": 7, "minute": 18}
